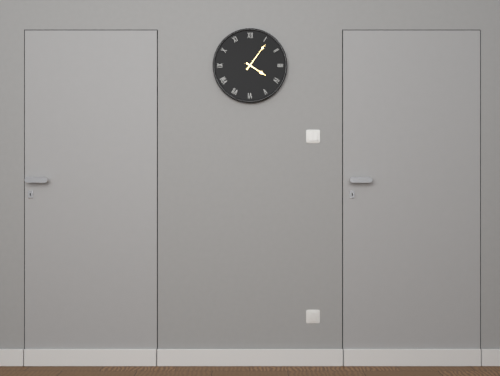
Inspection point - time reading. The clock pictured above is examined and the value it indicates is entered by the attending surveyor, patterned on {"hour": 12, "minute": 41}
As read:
{"hour": 4, "minute": 6}
